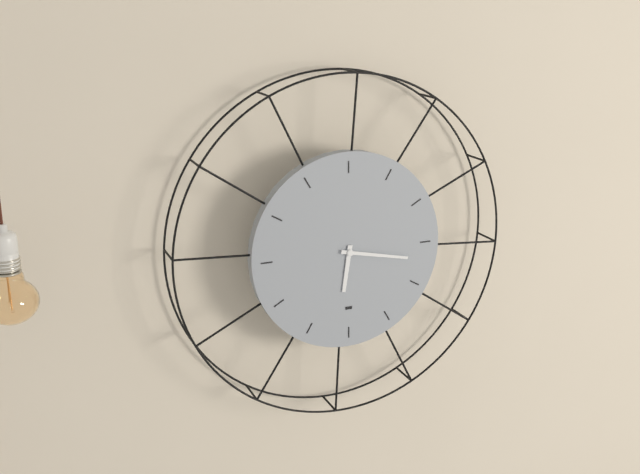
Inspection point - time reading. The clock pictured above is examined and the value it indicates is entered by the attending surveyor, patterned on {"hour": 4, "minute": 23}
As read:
{"hour": 6, "minute": 17}
